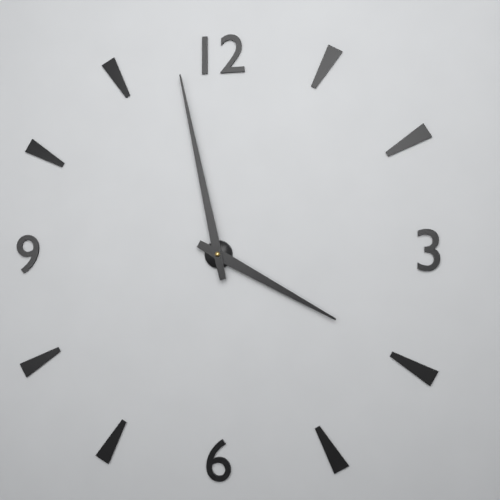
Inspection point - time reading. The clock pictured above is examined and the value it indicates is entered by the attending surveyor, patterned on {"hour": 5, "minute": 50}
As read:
{"hour": 3, "minute": 58}
